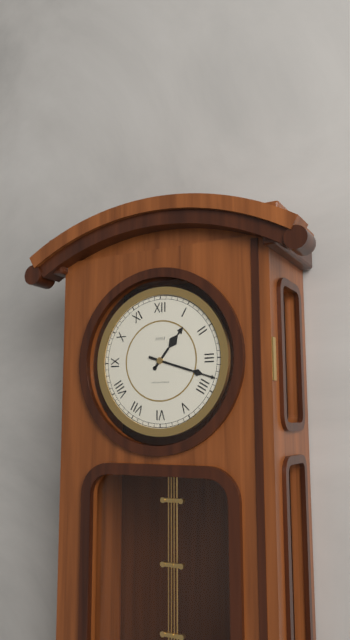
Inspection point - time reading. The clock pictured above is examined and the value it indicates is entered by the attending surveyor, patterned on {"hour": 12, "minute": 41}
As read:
{"hour": 1, "minute": 18}
